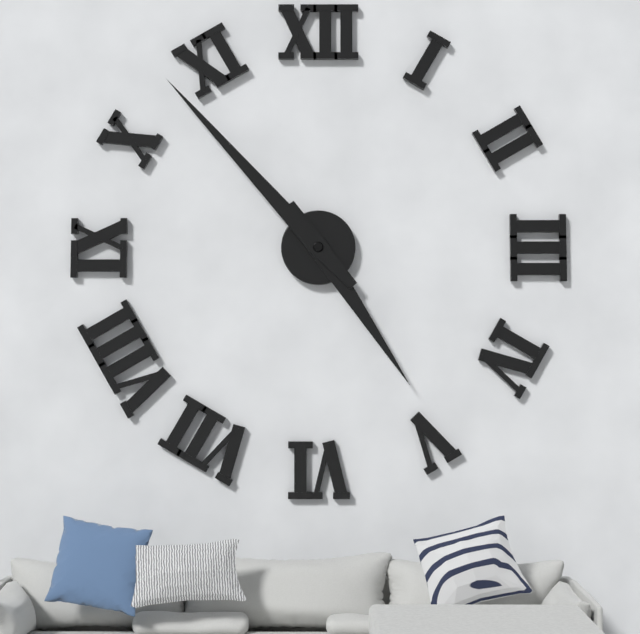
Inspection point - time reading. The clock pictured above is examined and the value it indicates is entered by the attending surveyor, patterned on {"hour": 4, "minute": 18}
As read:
{"hour": 4, "minute": 53}
